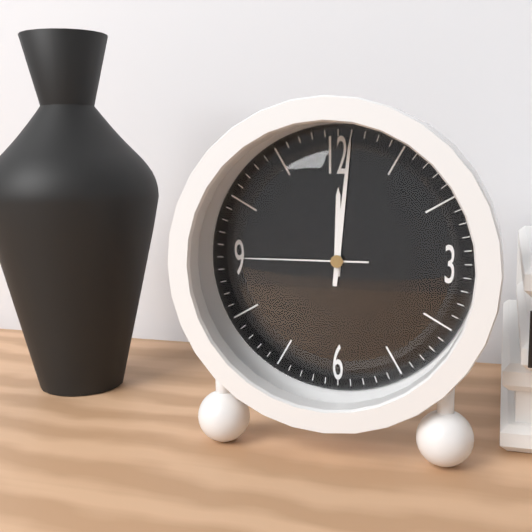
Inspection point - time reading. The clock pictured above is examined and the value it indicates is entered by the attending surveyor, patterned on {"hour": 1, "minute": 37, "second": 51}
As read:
{"hour": 12, "minute": 1, "second": 45}
